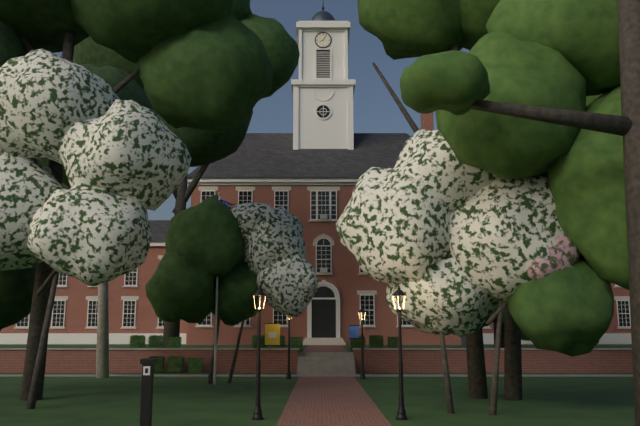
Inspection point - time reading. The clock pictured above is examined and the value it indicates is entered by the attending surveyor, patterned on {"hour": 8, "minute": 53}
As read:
{"hour": 8, "minute": 5}
